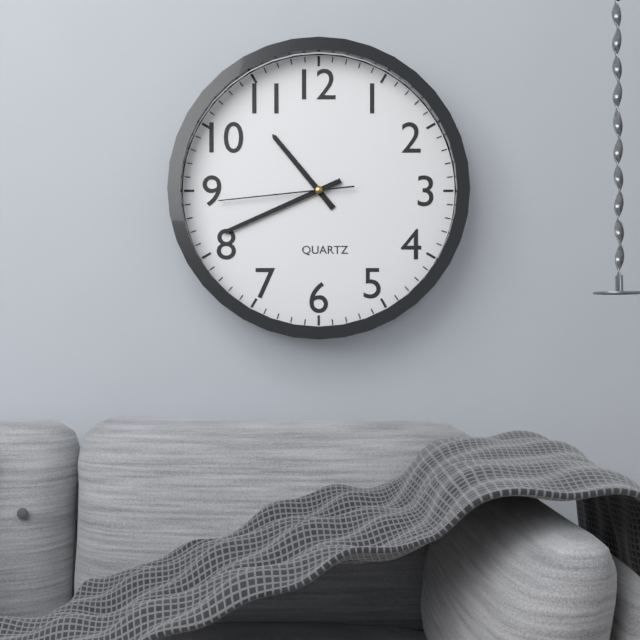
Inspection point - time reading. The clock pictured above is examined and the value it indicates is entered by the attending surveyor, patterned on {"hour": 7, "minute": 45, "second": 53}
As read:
{"hour": 10, "minute": 41, "second": 44}
